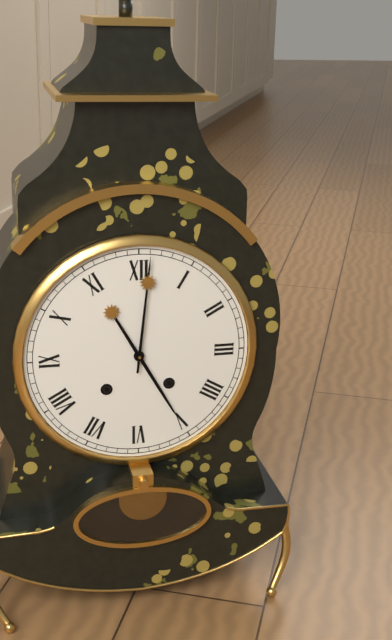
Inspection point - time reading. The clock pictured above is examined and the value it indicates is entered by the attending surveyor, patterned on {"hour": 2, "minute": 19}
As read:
{"hour": 5, "minute": 1}
